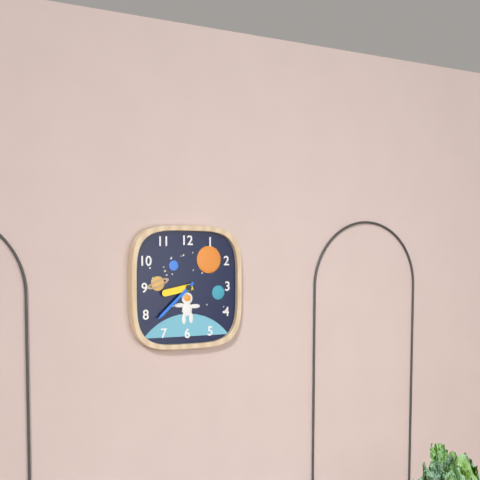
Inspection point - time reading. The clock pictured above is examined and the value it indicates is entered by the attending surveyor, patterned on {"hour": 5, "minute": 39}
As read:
{"hour": 8, "minute": 38}
